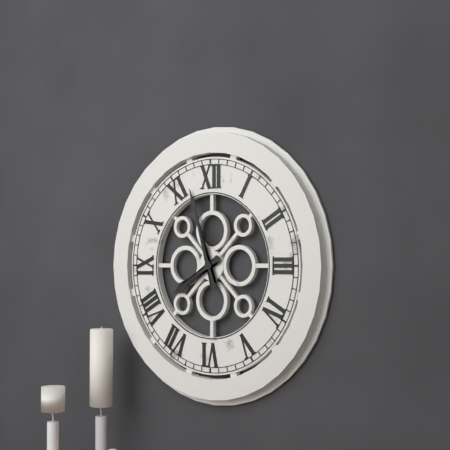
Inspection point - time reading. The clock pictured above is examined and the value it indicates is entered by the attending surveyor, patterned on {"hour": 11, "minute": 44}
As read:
{"hour": 7, "minute": 57}
